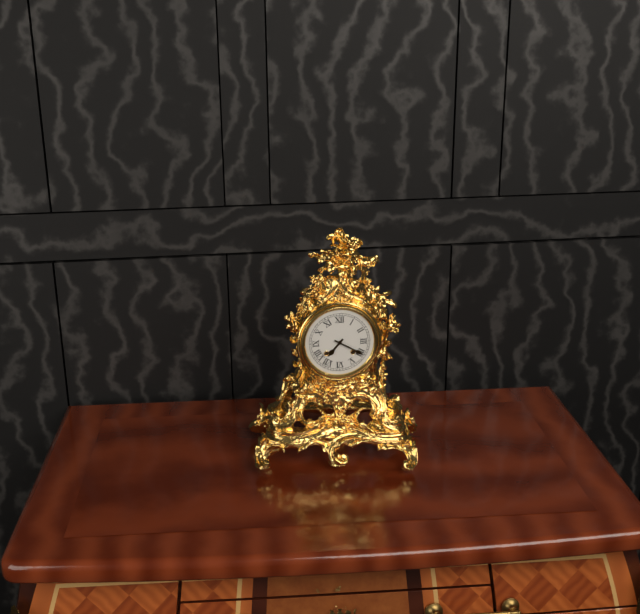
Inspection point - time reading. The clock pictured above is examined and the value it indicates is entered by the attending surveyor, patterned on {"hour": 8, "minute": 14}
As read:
{"hour": 7, "minute": 20}
